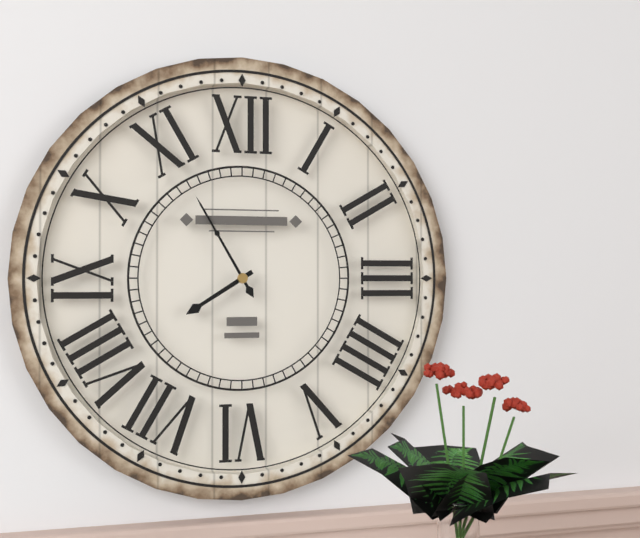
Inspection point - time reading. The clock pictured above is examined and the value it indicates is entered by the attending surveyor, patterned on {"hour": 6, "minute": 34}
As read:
{"hour": 7, "minute": 55}
